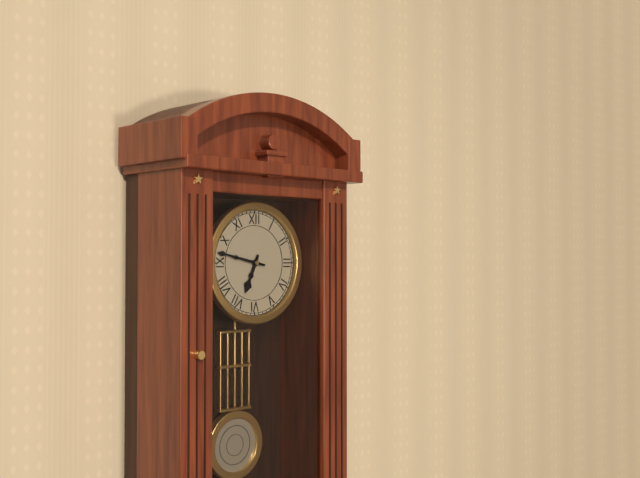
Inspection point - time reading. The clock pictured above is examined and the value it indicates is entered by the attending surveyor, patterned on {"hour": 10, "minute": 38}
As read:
{"hour": 6, "minute": 47}
